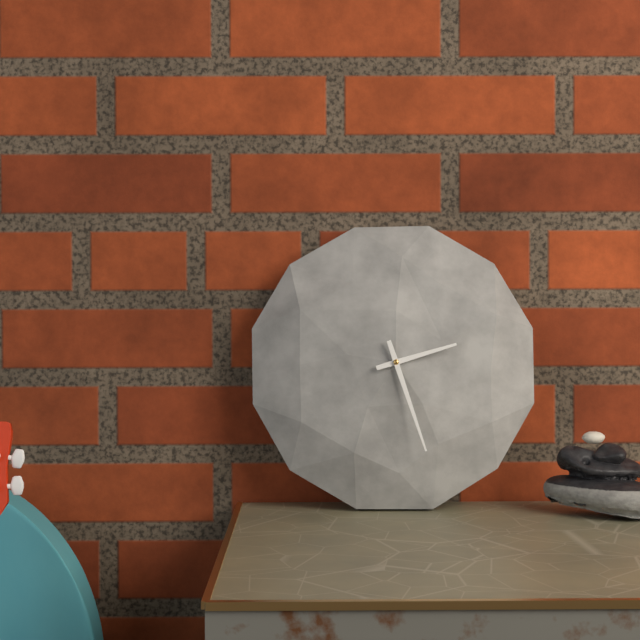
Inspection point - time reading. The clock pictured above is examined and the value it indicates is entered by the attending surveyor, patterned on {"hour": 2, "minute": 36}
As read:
{"hour": 2, "minute": 27}
